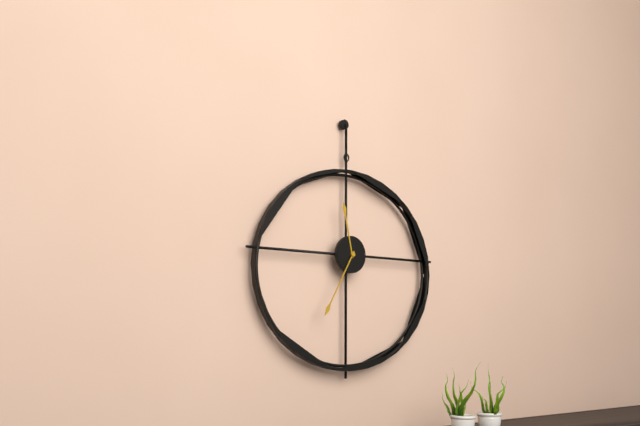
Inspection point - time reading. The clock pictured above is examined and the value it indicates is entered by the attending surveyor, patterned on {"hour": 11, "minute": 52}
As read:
{"hour": 11, "minute": 35}
